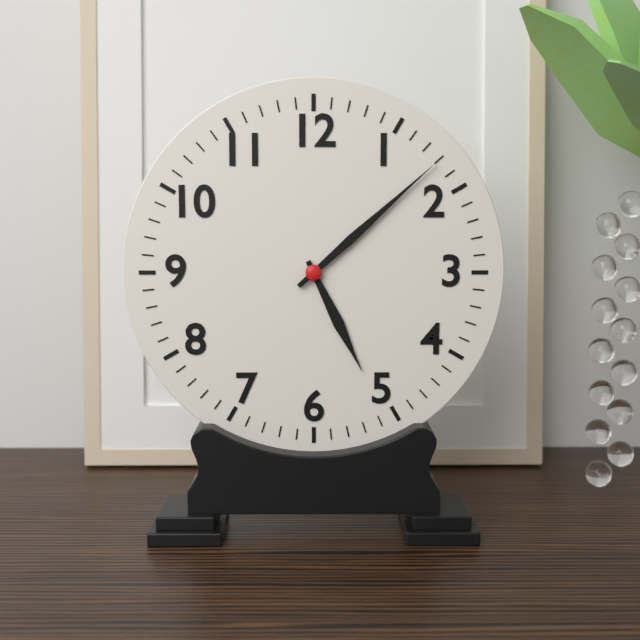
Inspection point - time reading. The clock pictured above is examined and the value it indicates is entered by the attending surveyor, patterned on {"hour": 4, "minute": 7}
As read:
{"hour": 5, "minute": 8}
